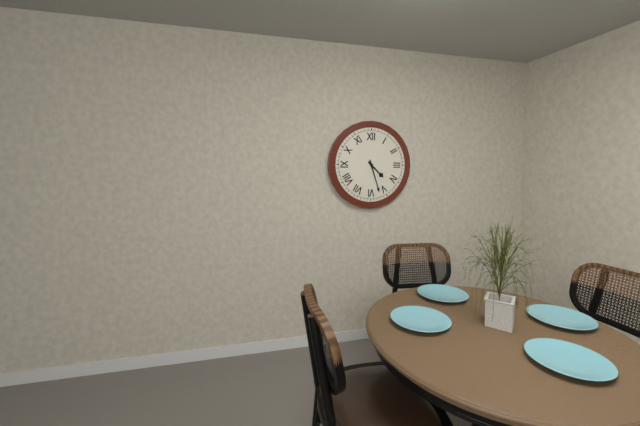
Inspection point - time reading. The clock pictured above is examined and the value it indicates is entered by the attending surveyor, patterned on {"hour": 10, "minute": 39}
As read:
{"hour": 4, "minute": 27}
